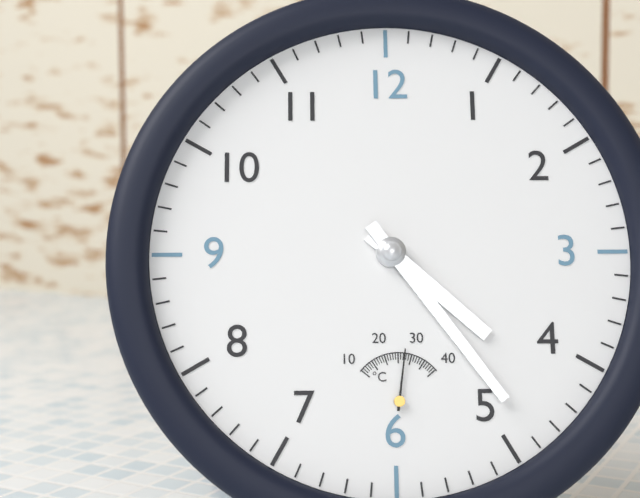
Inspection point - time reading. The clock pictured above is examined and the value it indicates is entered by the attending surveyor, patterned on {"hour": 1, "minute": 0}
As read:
{"hour": 4, "minute": 24}
